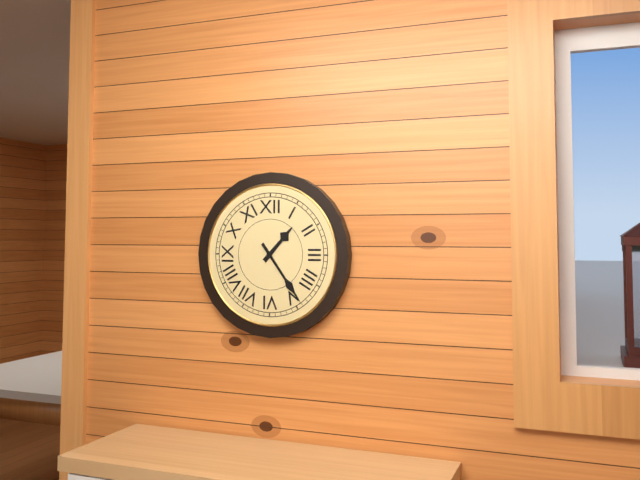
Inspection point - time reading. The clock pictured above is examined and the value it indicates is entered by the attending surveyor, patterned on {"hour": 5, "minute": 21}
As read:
{"hour": 1, "minute": 24}
